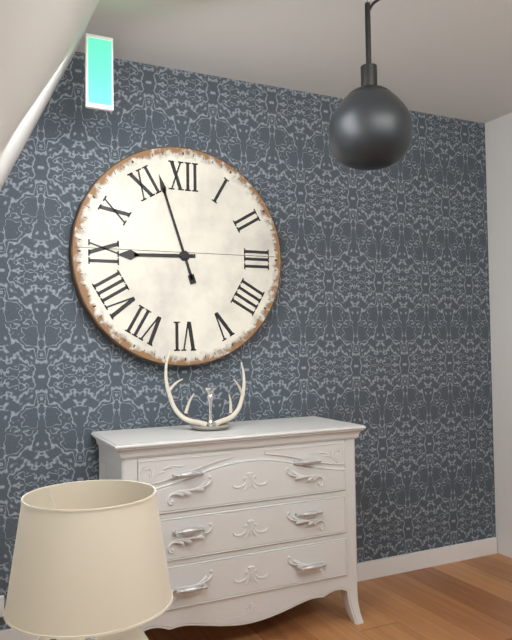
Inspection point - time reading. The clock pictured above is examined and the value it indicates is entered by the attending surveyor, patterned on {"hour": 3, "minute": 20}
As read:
{"hour": 8, "minute": 57}
